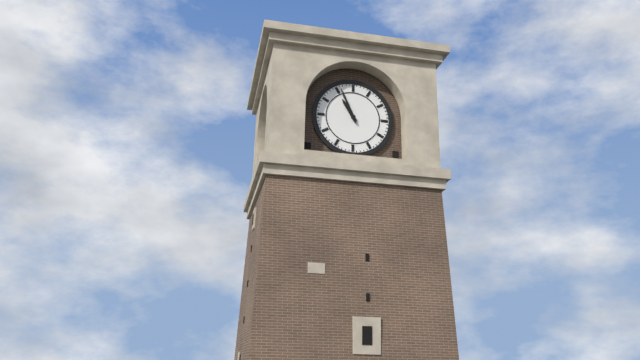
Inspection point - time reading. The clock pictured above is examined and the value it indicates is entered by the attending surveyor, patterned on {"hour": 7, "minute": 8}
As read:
{"hour": 10, "minute": 56}
